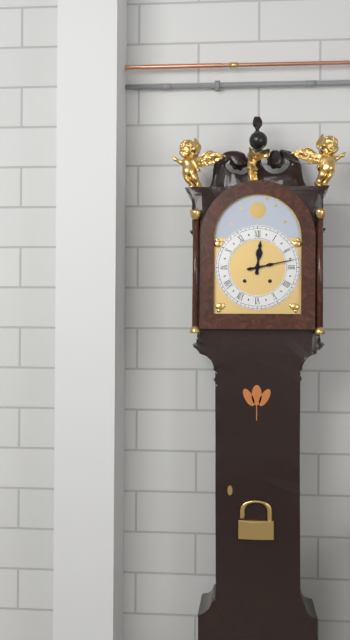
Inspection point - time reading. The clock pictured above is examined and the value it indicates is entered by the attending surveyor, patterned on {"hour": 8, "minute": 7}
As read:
{"hour": 12, "minute": 13}
